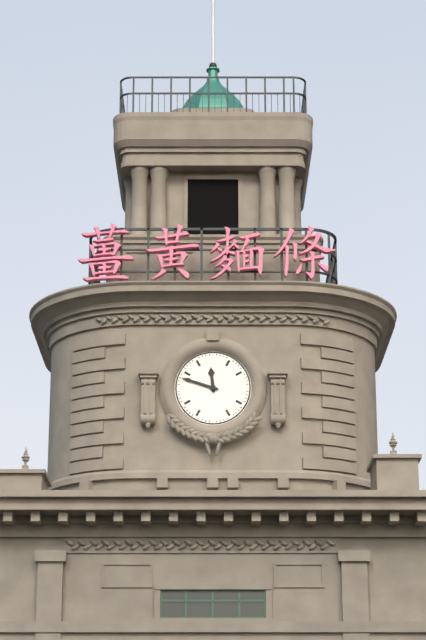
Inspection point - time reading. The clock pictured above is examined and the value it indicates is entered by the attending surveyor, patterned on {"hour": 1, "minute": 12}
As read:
{"hour": 11, "minute": 48}
